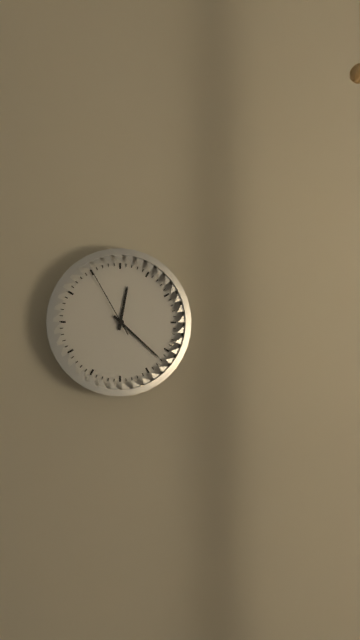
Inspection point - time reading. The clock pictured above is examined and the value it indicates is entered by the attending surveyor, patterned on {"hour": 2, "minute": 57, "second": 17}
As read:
{"hour": 12, "minute": 22, "second": 55}
